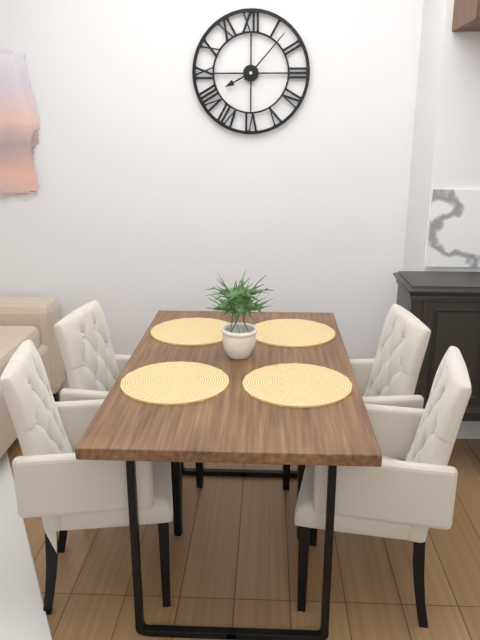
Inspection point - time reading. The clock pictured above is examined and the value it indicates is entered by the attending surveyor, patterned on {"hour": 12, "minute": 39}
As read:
{"hour": 8, "minute": 7}
